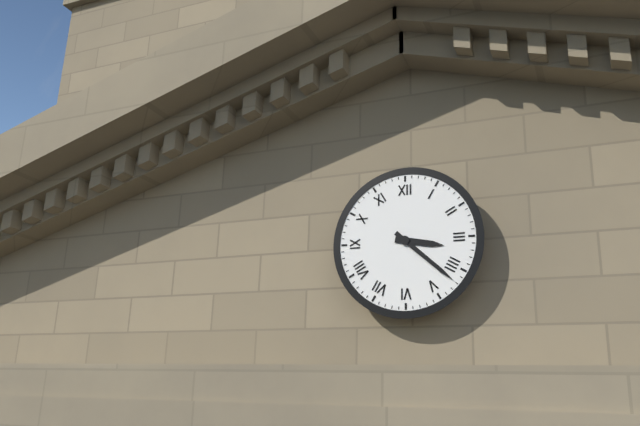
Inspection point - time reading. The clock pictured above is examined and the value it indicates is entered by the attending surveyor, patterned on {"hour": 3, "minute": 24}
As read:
{"hour": 3, "minute": 22}
